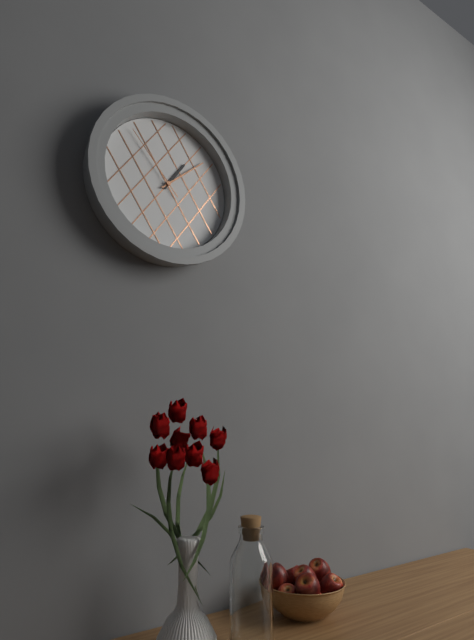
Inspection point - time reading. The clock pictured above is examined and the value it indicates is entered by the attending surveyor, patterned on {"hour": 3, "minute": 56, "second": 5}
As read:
{"hour": 1, "minute": 8, "second": 53}
